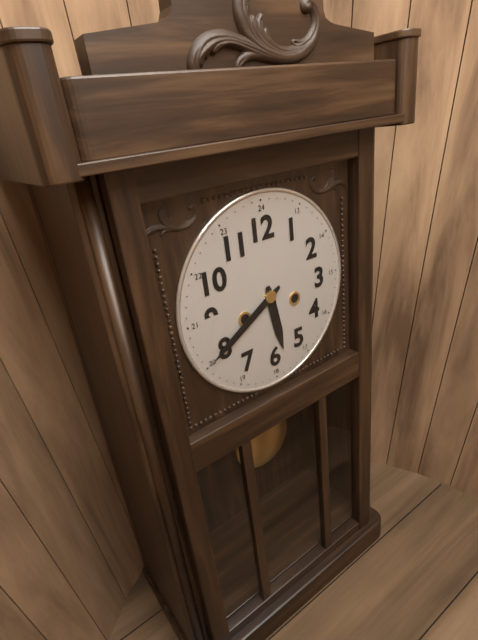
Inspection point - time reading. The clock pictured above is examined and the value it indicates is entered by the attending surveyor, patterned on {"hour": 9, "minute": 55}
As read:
{"hour": 5, "minute": 40}
